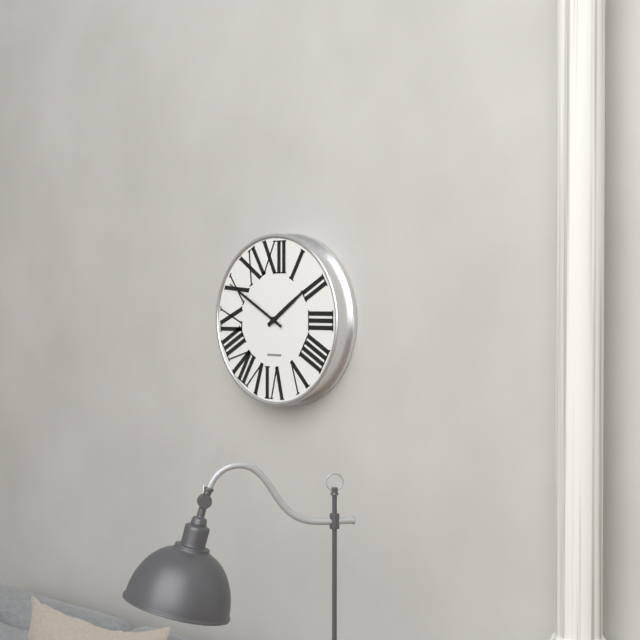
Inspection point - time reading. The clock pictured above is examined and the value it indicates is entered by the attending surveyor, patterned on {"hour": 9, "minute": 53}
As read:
{"hour": 1, "minute": 50}
